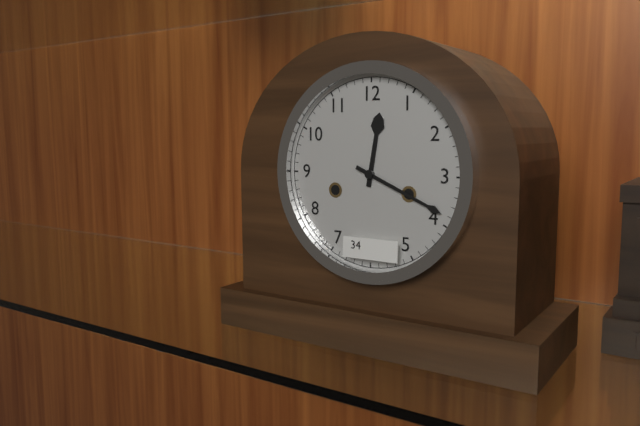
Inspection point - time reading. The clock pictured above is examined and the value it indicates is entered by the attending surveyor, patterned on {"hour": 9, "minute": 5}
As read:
{"hour": 12, "minute": 19}
